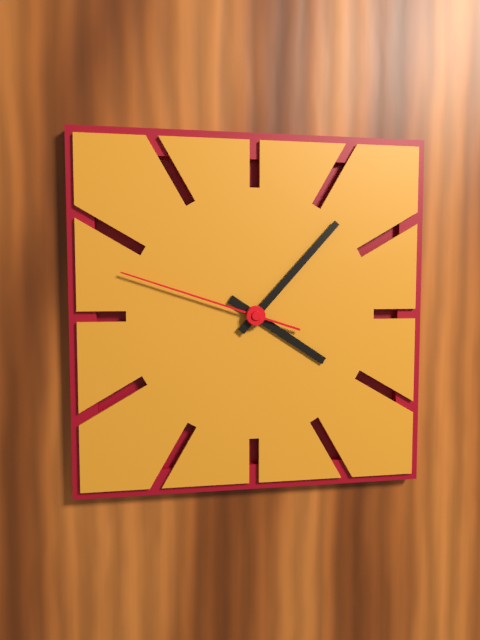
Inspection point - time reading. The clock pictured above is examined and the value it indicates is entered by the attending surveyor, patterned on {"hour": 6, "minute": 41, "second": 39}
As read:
{"hour": 4, "minute": 7, "second": 48}
